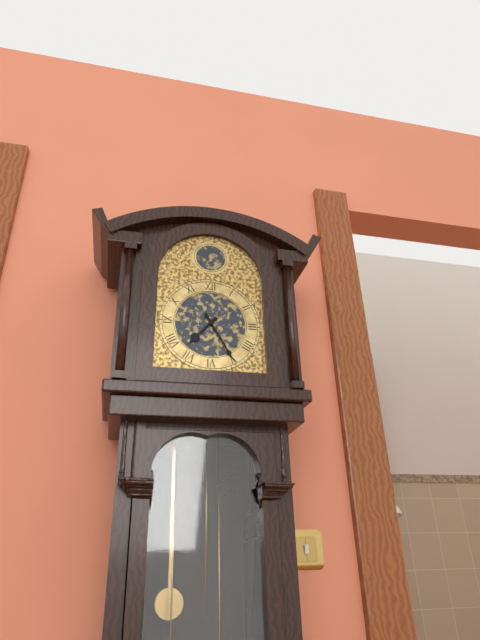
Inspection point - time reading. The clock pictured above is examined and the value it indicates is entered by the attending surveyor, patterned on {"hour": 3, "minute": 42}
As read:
{"hour": 7, "minute": 25}
